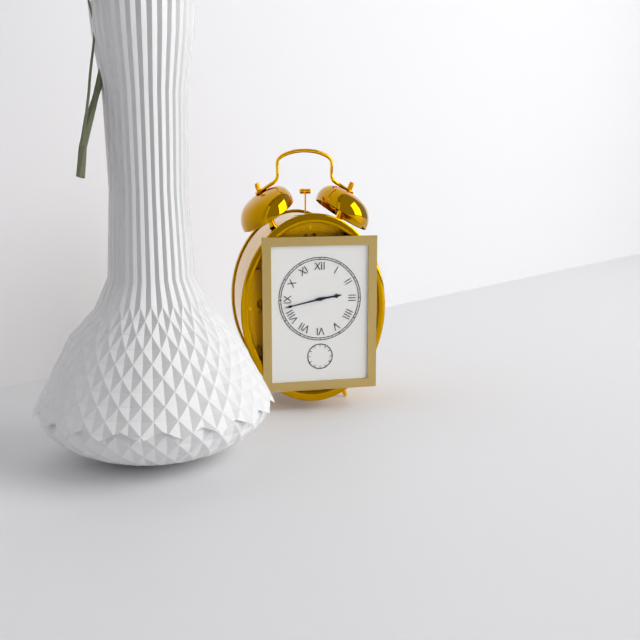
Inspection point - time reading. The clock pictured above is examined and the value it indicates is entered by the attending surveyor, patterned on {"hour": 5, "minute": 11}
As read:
{"hour": 2, "minute": 43}
